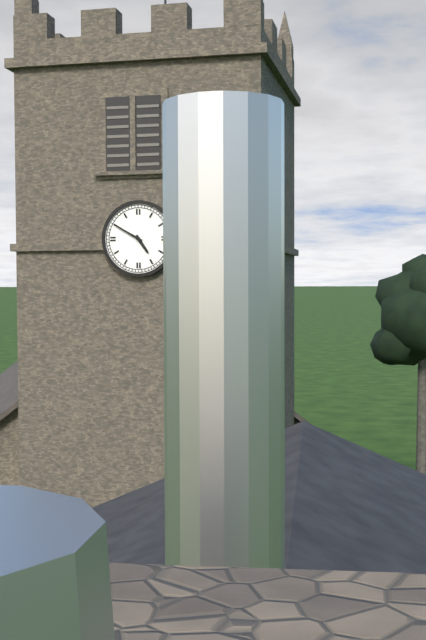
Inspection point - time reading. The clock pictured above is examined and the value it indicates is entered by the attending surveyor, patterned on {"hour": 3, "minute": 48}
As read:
{"hour": 4, "minute": 50}
